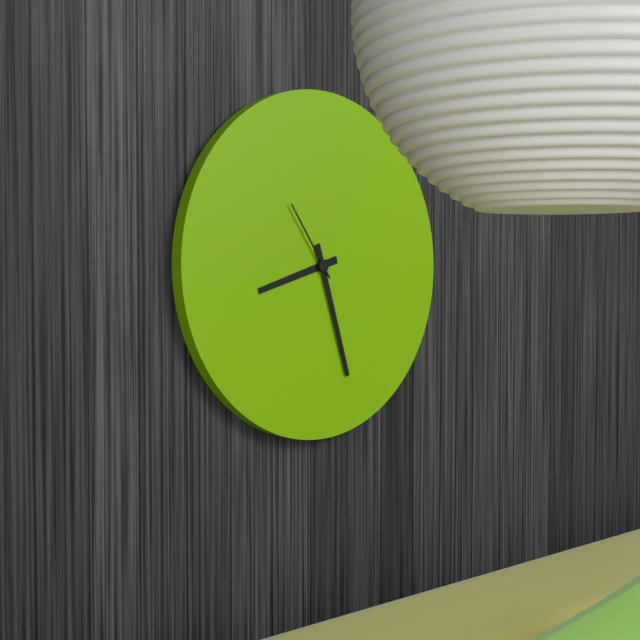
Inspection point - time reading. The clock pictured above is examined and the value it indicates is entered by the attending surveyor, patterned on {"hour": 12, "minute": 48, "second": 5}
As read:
{"hour": 8, "minute": 27, "second": 54}
